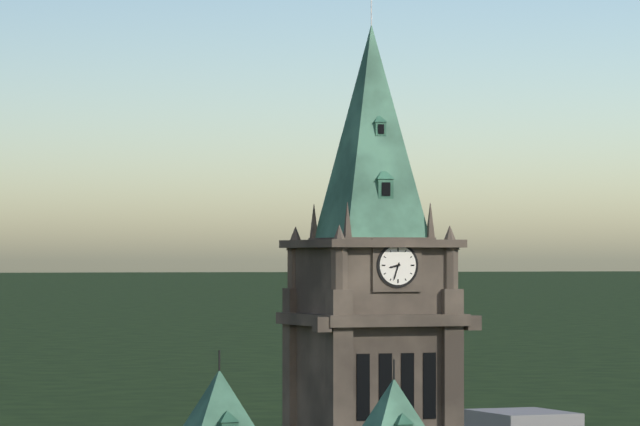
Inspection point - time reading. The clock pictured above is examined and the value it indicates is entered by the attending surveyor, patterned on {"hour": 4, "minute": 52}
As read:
{"hour": 8, "minute": 33}
